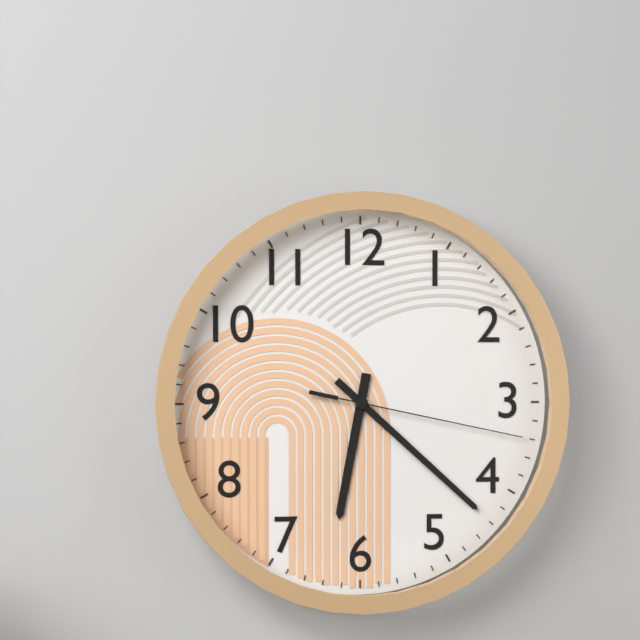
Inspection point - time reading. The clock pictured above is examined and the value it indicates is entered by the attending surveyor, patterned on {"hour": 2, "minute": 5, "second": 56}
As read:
{"hour": 6, "minute": 22, "second": 17}
